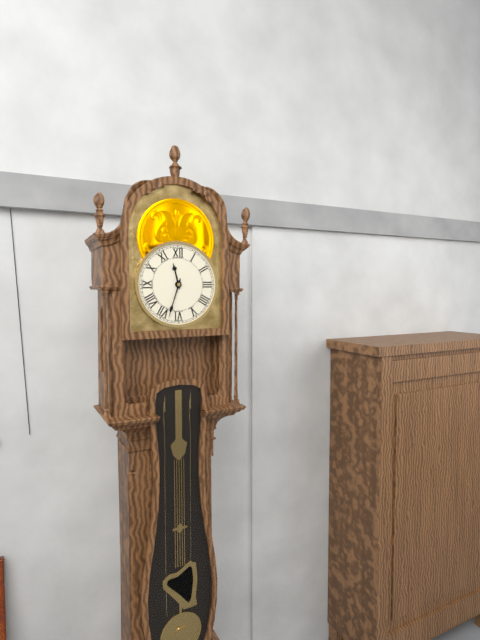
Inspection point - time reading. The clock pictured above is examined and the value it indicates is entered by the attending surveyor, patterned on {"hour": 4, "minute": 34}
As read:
{"hour": 11, "minute": 33}
